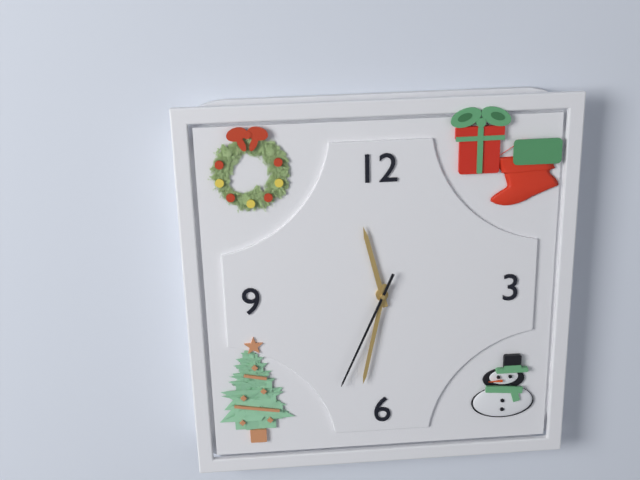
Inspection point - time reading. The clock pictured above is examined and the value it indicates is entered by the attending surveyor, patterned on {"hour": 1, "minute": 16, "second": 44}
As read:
{"hour": 11, "minute": 32, "second": 34}
